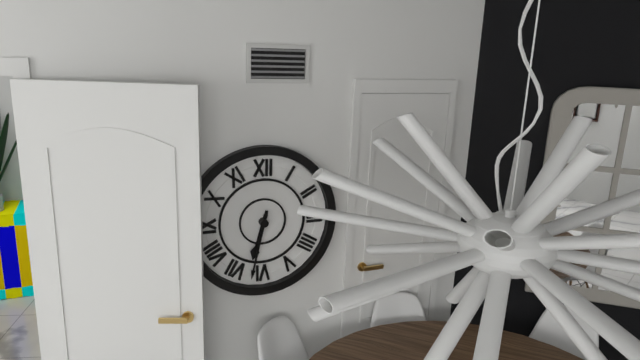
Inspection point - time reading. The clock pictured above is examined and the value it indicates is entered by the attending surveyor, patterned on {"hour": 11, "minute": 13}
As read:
{"hour": 6, "minute": 32}
